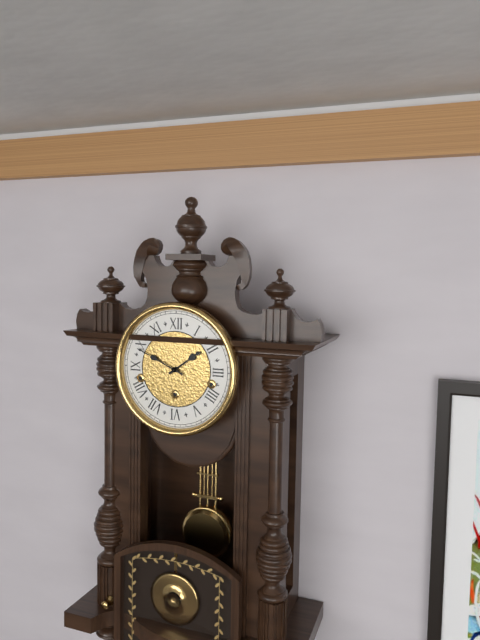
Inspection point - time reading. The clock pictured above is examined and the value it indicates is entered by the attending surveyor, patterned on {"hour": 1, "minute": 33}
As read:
{"hour": 1, "minute": 49}
